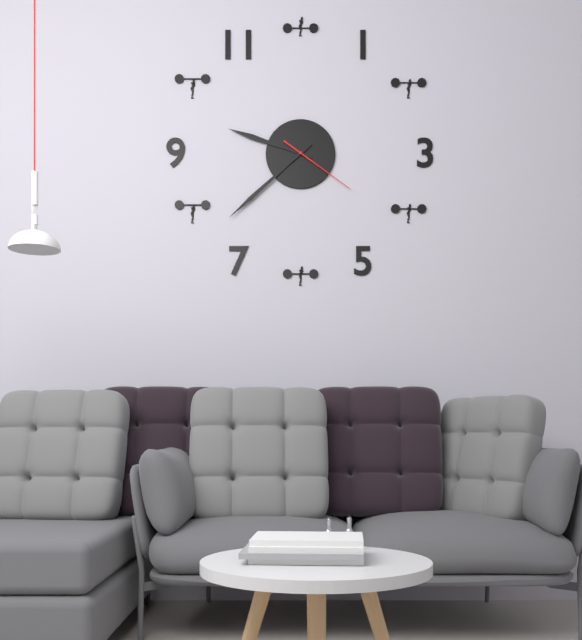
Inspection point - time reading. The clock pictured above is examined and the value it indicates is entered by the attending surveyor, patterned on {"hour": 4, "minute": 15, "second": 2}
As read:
{"hour": 9, "minute": 38, "second": 21}
